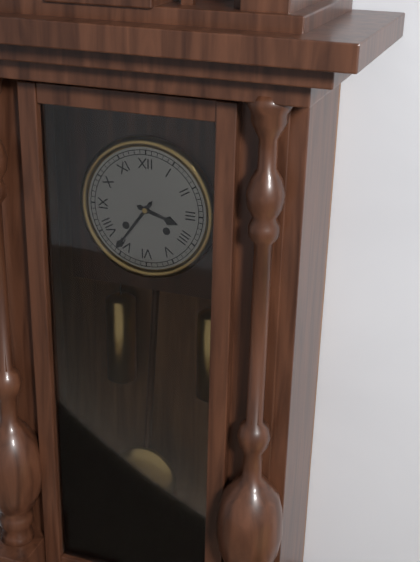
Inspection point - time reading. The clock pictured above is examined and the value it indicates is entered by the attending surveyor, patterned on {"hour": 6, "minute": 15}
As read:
{"hour": 3, "minute": 36}
